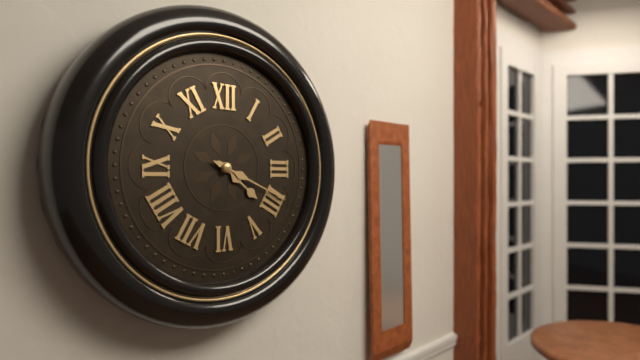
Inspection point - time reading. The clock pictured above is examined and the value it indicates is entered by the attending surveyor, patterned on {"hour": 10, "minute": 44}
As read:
{"hour": 4, "minute": 19}
